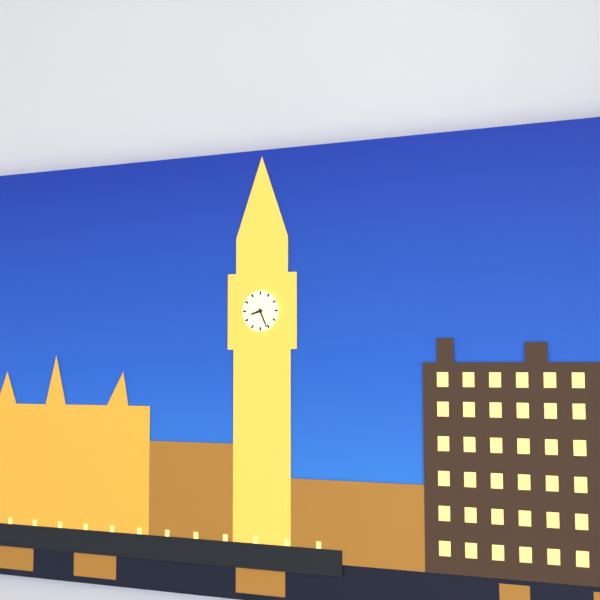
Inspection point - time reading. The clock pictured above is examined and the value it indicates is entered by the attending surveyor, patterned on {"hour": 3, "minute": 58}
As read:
{"hour": 8, "minute": 26}
